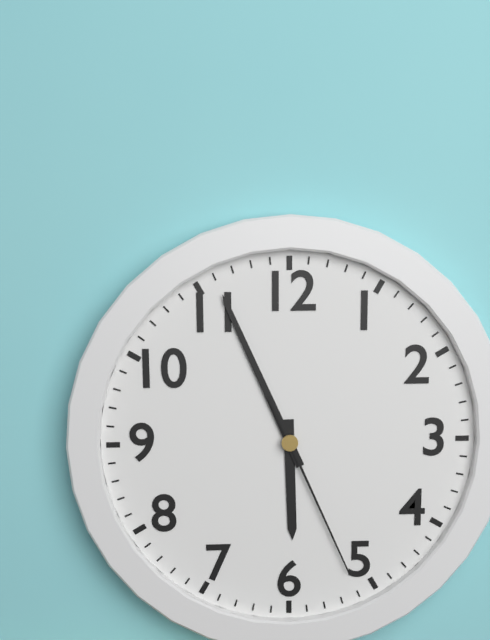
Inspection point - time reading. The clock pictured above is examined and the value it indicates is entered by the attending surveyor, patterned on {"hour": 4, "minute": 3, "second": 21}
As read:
{"hour": 5, "minute": 56, "second": 26}
